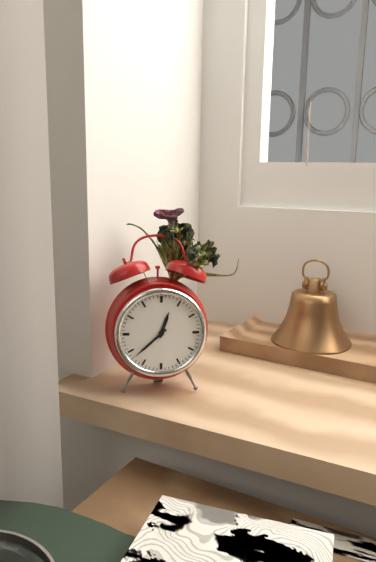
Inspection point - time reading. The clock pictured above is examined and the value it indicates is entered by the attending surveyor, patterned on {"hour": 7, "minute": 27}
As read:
{"hour": 12, "minute": 38}
